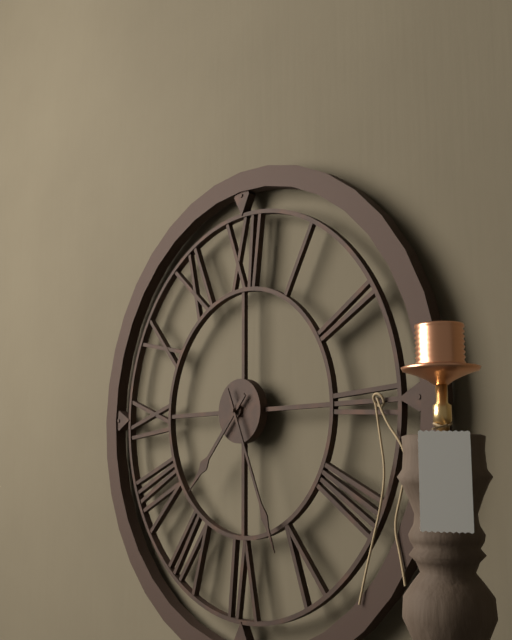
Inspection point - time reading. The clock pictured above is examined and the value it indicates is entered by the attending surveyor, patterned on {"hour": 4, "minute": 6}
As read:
{"hour": 7, "minute": 26}
